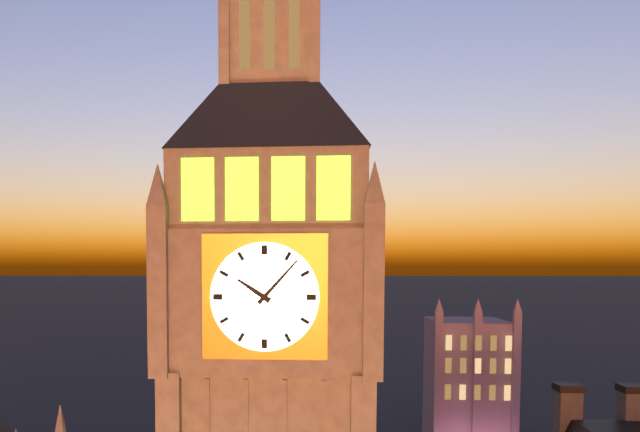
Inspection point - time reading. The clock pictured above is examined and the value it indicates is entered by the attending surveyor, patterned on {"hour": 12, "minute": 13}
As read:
{"hour": 10, "minute": 7}
